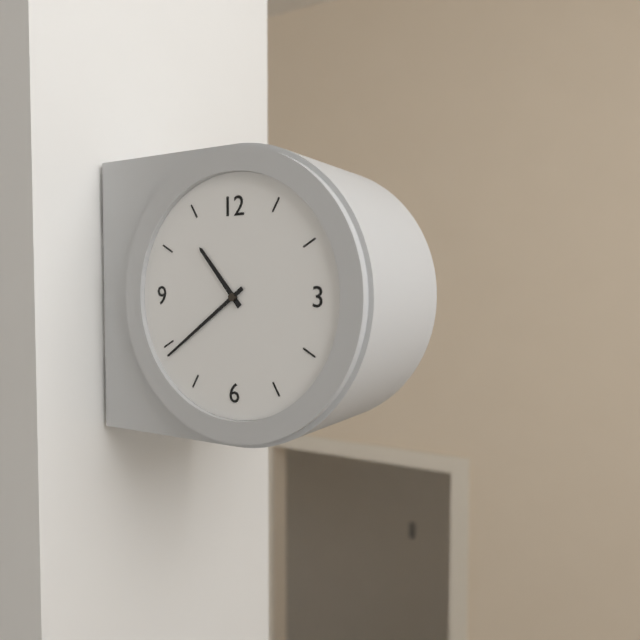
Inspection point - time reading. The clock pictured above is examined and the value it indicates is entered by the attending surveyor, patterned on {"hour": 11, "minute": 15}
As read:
{"hour": 10, "minute": 39}
